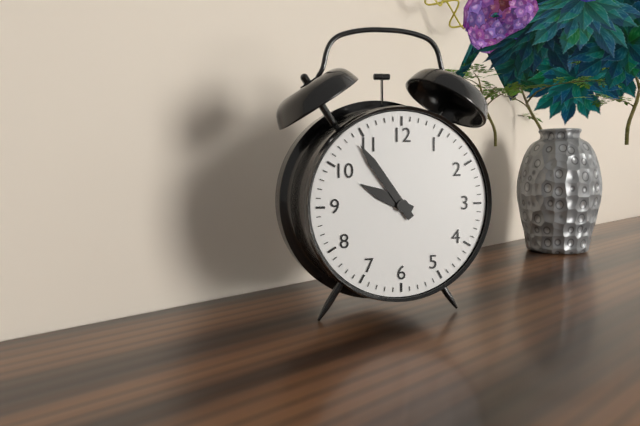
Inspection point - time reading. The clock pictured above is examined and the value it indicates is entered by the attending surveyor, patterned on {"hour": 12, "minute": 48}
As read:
{"hour": 9, "minute": 54}
